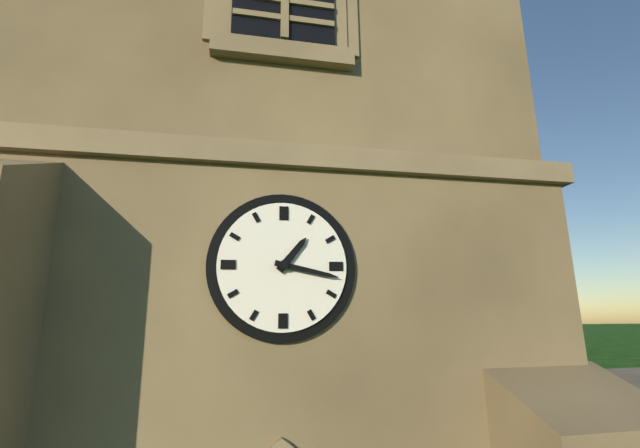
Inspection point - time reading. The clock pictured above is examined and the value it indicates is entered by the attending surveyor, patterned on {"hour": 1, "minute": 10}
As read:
{"hour": 1, "minute": 17}
